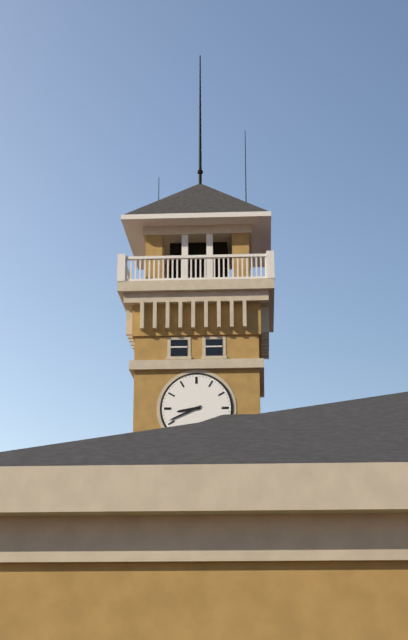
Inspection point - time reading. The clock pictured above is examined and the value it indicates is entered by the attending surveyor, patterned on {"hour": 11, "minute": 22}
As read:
{"hour": 8, "minute": 41}
